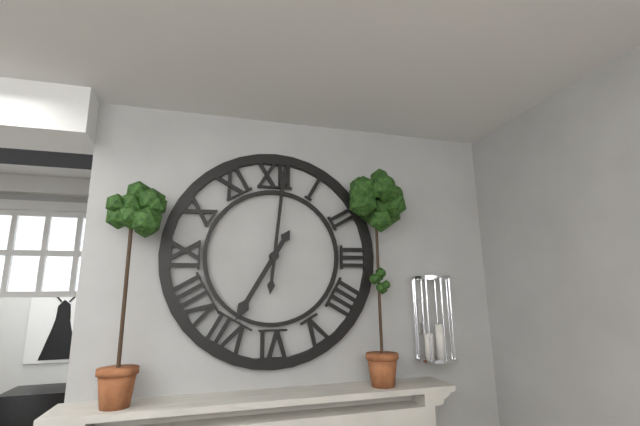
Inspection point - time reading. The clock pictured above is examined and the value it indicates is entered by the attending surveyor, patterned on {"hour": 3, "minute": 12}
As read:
{"hour": 7, "minute": 1}
